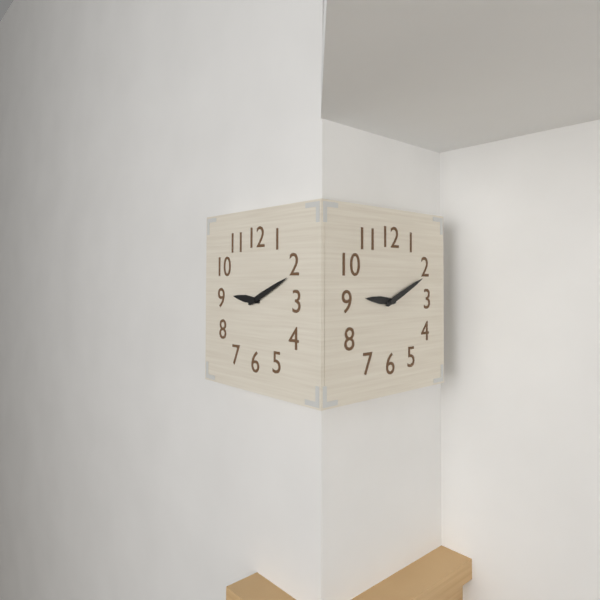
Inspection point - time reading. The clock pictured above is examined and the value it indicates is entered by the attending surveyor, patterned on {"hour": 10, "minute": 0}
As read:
{"hour": 9, "minute": 11}
